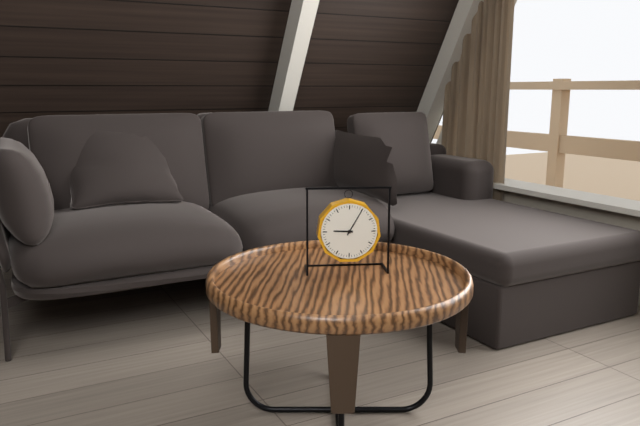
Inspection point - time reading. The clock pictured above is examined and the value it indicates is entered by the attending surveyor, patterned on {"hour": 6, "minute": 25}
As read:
{"hour": 9, "minute": 5}
